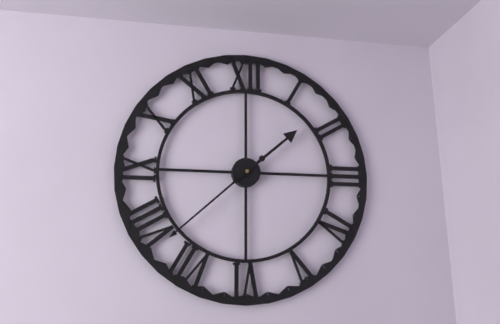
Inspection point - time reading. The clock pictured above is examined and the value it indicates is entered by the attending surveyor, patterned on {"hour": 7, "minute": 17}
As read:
{"hour": 1, "minute": 38}
